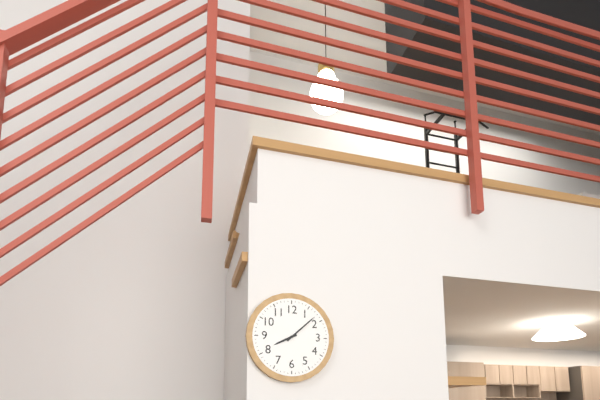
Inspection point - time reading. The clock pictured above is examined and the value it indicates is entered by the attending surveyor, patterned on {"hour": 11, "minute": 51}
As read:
{"hour": 8, "minute": 8}
